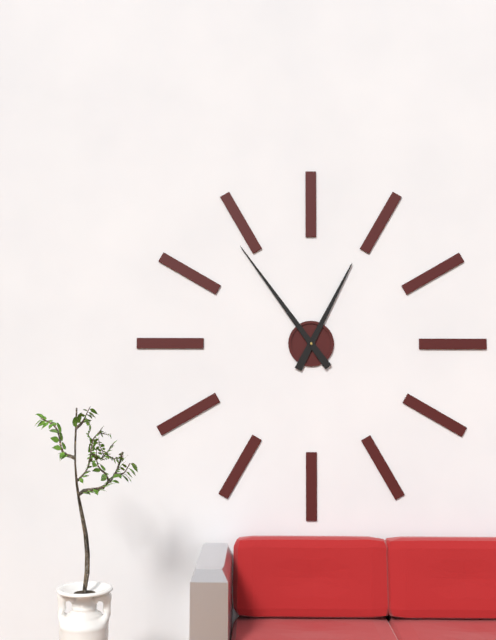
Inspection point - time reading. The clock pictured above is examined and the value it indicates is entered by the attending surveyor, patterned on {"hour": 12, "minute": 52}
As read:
{"hour": 12, "minute": 54}
